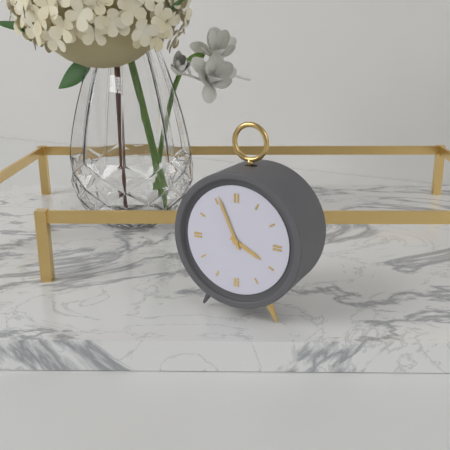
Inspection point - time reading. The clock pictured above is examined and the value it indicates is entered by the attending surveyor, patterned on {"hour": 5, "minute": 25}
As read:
{"hour": 3, "minute": 56}
